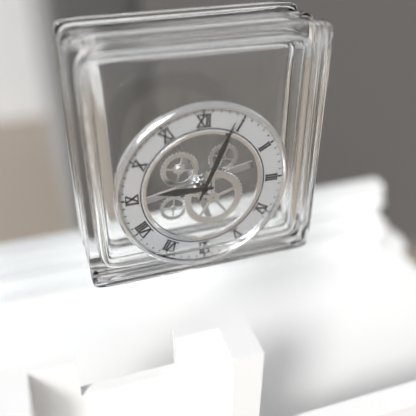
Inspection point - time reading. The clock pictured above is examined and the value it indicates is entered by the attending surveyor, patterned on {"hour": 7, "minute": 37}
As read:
{"hour": 9, "minute": 4}
